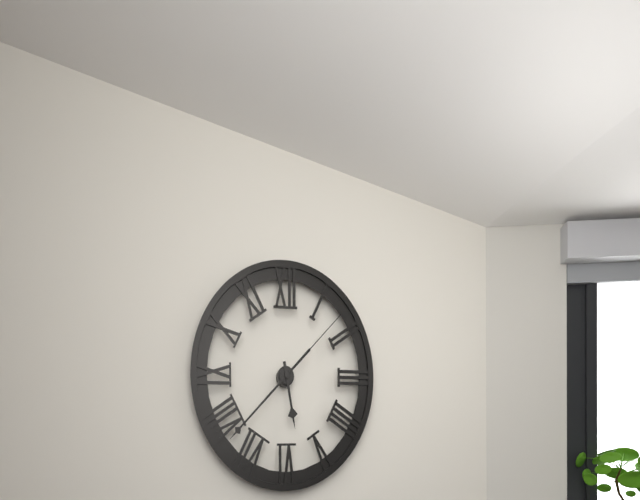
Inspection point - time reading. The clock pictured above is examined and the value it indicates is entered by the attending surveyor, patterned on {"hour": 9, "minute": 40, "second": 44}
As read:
{"hour": 5, "minute": 38, "second": 8}
